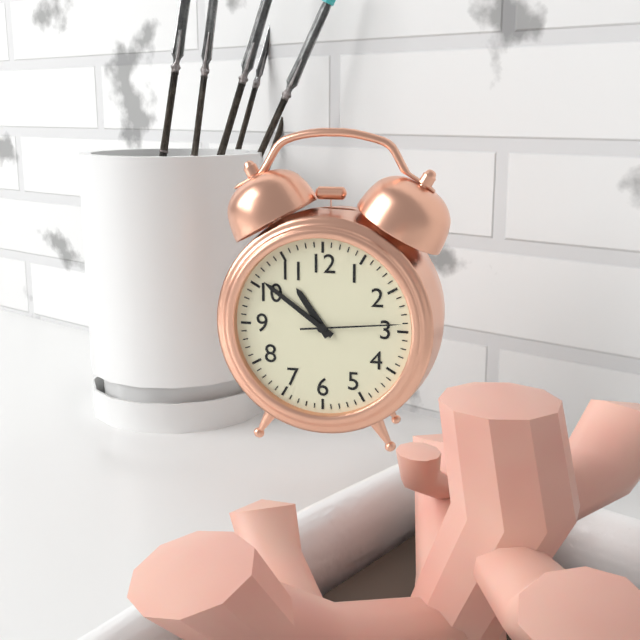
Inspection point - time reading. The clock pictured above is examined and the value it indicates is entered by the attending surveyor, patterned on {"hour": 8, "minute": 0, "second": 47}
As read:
{"hour": 10, "minute": 51, "second": 14}
